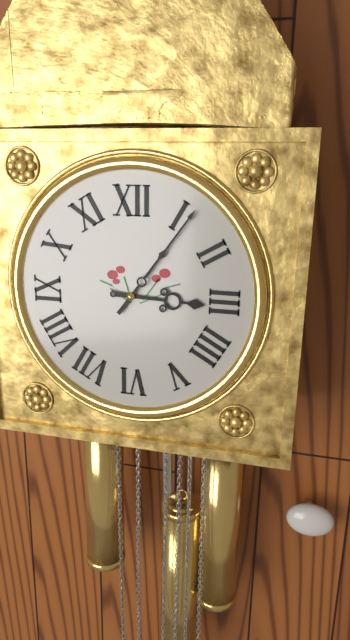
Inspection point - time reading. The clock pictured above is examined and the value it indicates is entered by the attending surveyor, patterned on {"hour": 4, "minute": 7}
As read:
{"hour": 3, "minute": 6}
